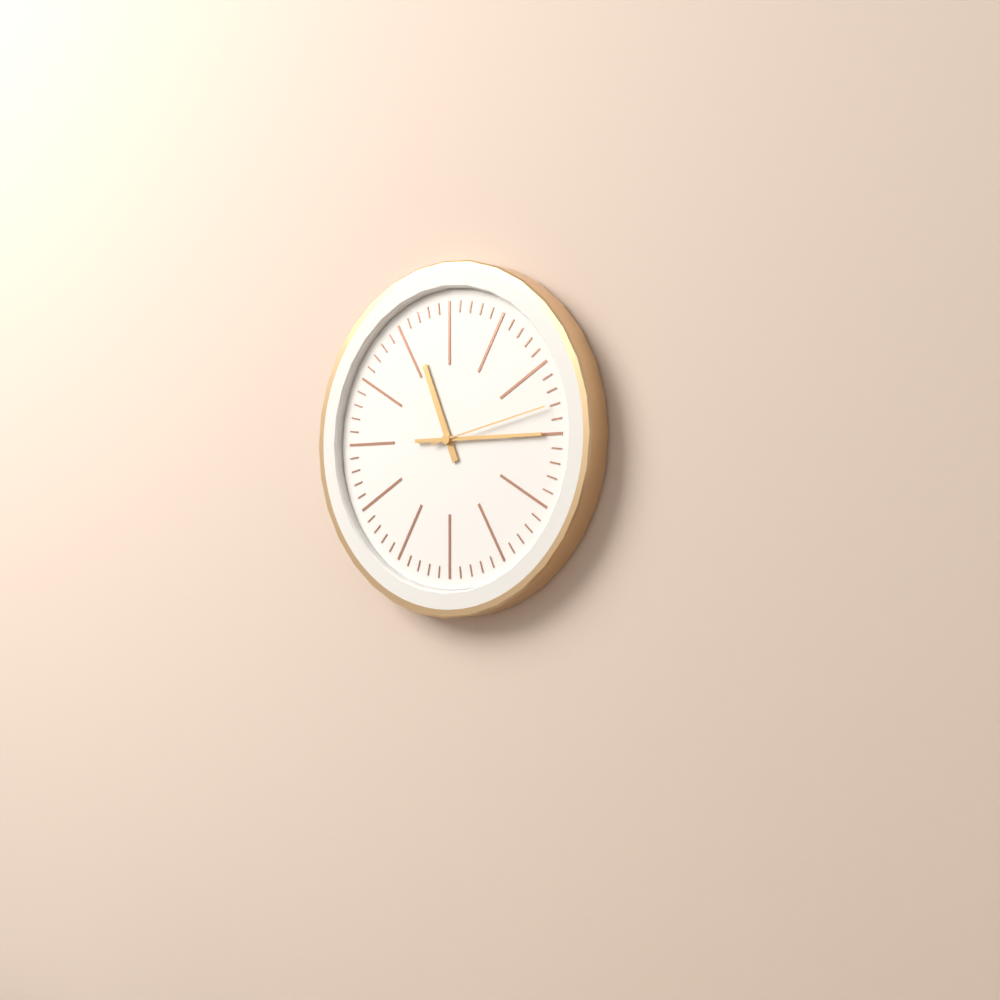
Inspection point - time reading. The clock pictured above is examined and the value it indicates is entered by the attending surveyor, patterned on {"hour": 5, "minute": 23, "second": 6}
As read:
{"hour": 11, "minute": 15, "second": 13}
